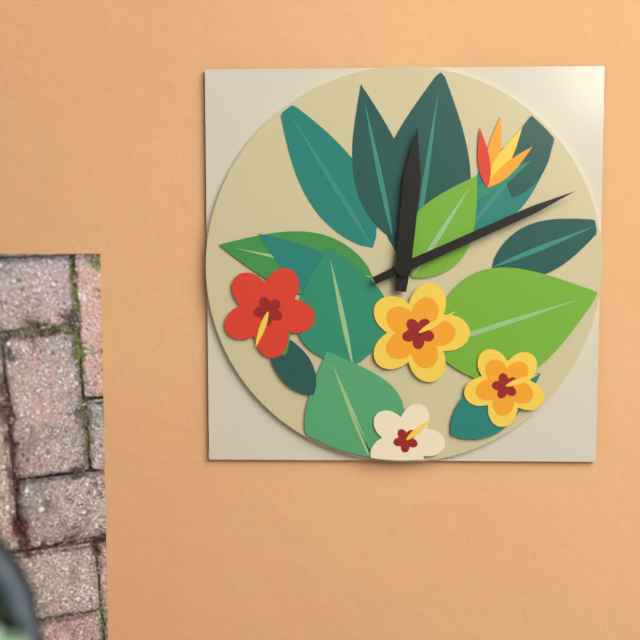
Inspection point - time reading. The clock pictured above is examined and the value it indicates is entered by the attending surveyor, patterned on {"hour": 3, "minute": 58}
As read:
{"hour": 12, "minute": 11}
